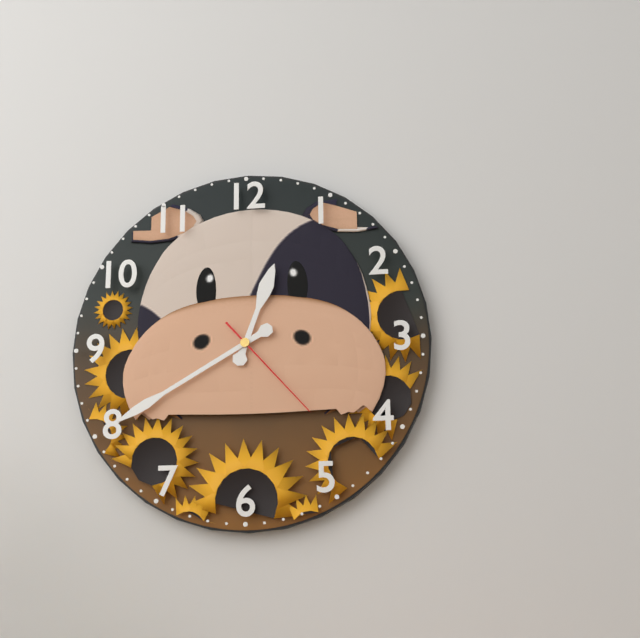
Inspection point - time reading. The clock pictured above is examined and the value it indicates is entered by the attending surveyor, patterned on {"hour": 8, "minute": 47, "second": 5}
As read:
{"hour": 12, "minute": 40, "second": 23}
